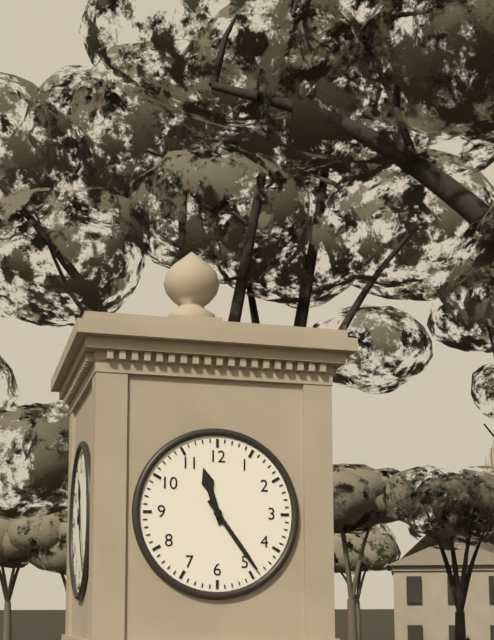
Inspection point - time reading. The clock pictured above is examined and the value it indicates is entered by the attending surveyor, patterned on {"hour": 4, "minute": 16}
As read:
{"hour": 11, "minute": 24}
